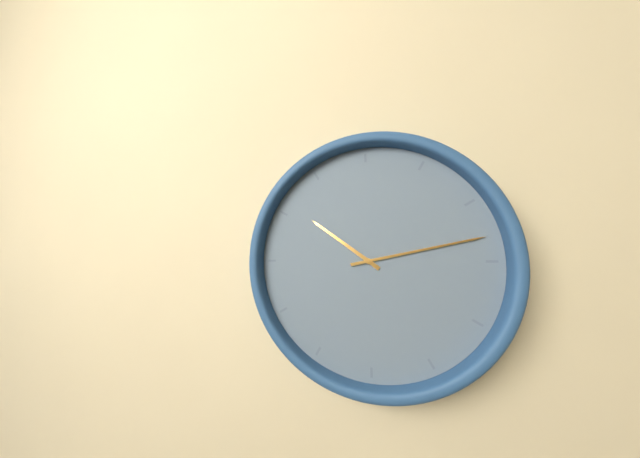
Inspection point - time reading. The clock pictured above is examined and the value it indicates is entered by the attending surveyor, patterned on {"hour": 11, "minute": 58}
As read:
{"hour": 10, "minute": 13}
